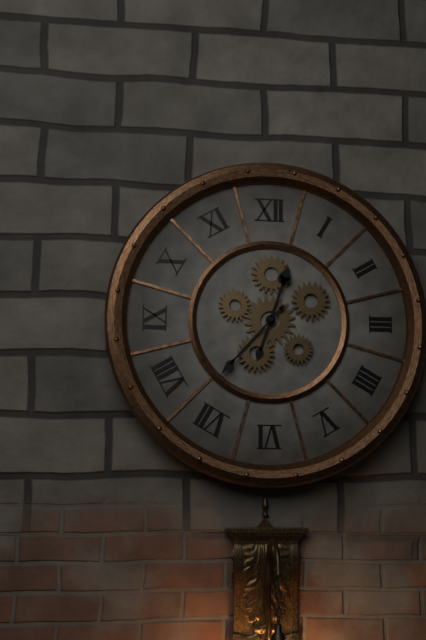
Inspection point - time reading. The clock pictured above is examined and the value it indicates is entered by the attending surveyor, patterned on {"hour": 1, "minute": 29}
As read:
{"hour": 12, "minute": 37}
